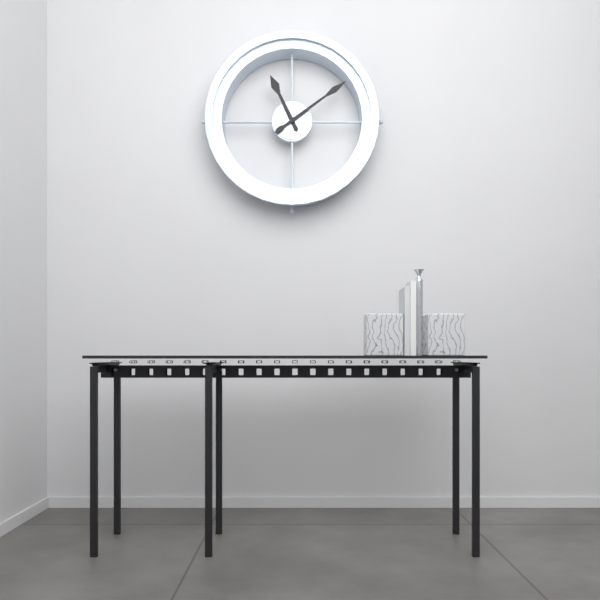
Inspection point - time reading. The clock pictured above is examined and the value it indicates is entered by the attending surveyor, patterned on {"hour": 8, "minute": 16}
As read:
{"hour": 11, "minute": 9}
